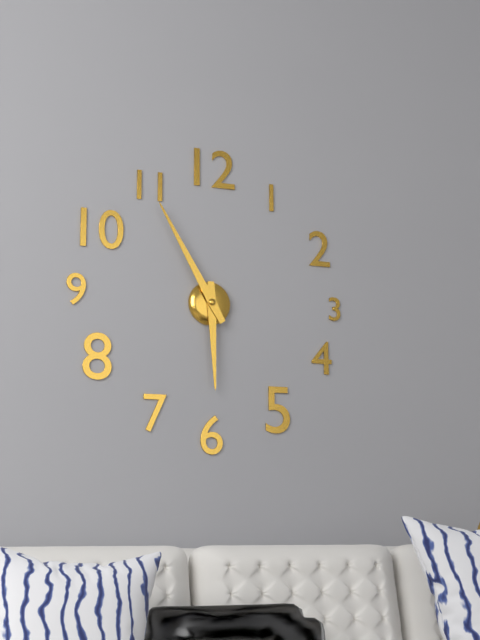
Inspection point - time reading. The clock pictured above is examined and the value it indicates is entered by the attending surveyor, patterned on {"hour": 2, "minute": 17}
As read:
{"hour": 5, "minute": 55}
